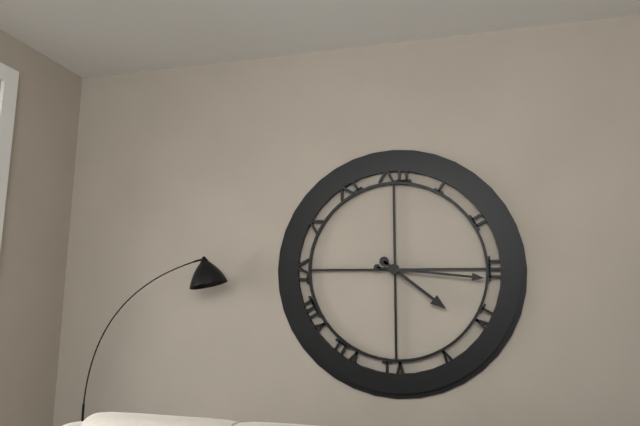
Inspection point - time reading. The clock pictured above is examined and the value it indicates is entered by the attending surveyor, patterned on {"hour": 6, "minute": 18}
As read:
{"hour": 4, "minute": 16}
